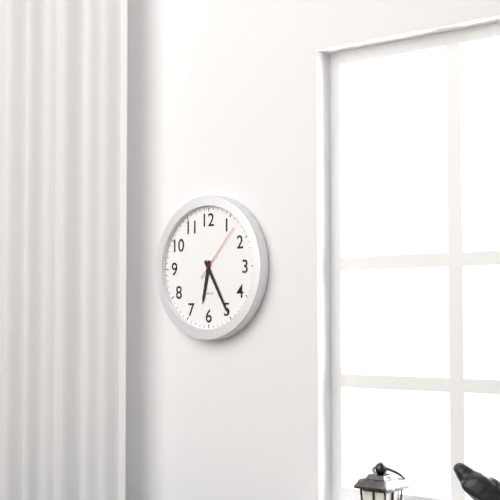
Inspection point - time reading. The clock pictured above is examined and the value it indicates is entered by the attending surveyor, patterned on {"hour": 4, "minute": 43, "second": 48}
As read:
{"hour": 6, "minute": 25, "second": 7}
